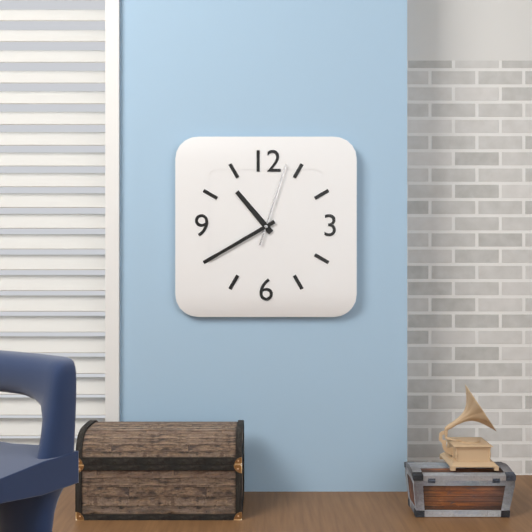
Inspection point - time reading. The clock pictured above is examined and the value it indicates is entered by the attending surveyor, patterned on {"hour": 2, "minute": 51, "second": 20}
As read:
{"hour": 10, "minute": 40, "second": 3}
